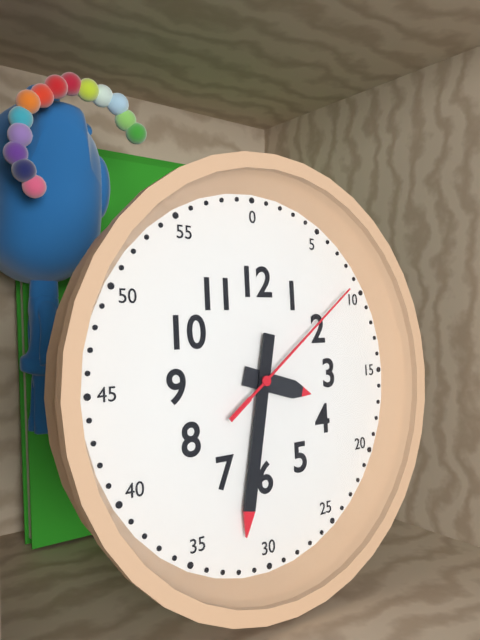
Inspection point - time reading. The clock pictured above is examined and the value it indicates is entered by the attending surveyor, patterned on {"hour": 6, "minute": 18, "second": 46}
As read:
{"hour": 3, "minute": 32, "second": 9}
